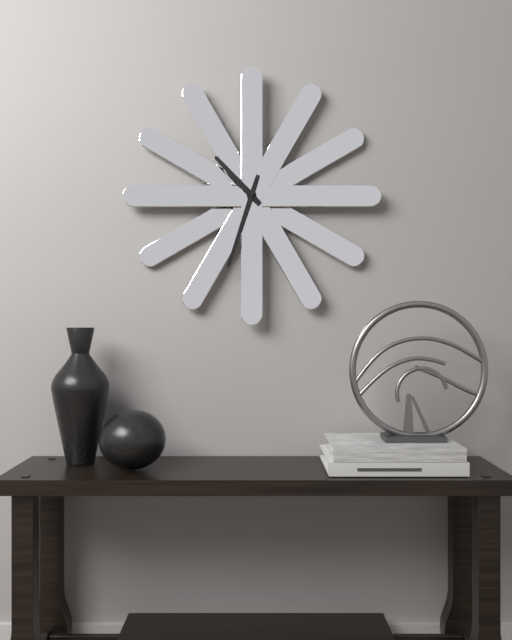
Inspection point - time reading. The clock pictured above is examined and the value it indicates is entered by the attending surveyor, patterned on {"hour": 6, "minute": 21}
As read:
{"hour": 10, "minute": 33}
